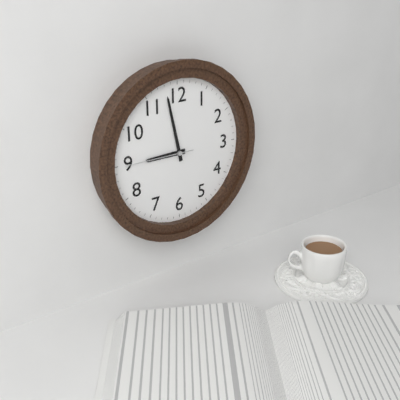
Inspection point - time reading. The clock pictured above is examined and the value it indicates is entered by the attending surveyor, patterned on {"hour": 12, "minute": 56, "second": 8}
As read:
{"hour": 8, "minute": 58, "second": 45}
